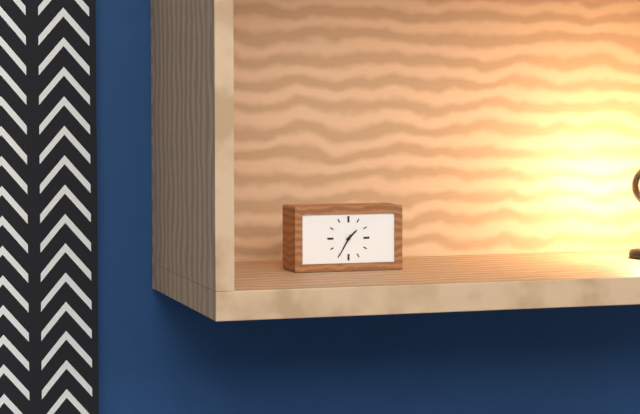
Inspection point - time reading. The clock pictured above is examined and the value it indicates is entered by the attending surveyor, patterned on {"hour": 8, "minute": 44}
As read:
{"hour": 1, "minute": 35}
